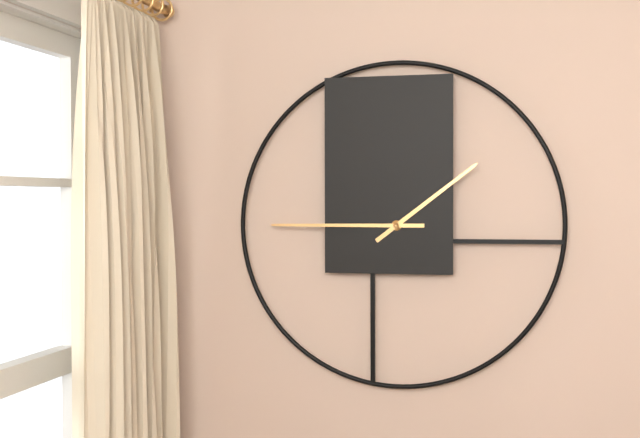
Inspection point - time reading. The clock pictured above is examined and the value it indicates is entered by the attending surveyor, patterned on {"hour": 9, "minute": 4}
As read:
{"hour": 1, "minute": 45}
